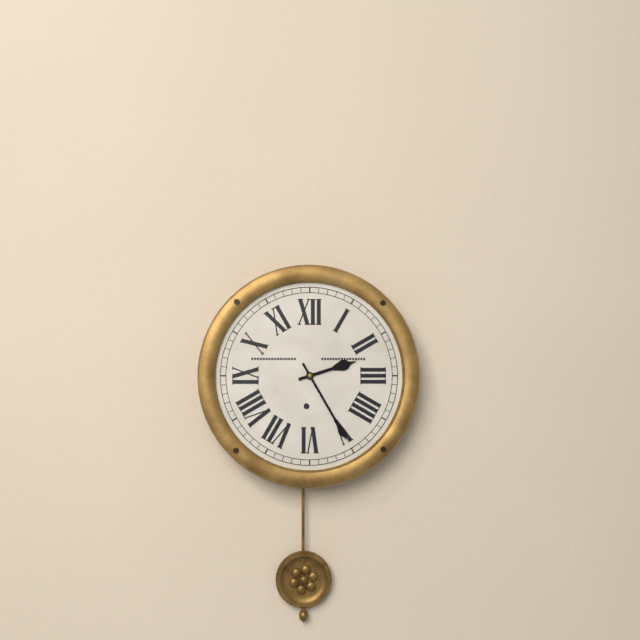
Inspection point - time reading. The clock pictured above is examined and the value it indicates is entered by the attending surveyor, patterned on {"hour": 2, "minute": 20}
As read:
{"hour": 2, "minute": 25}
